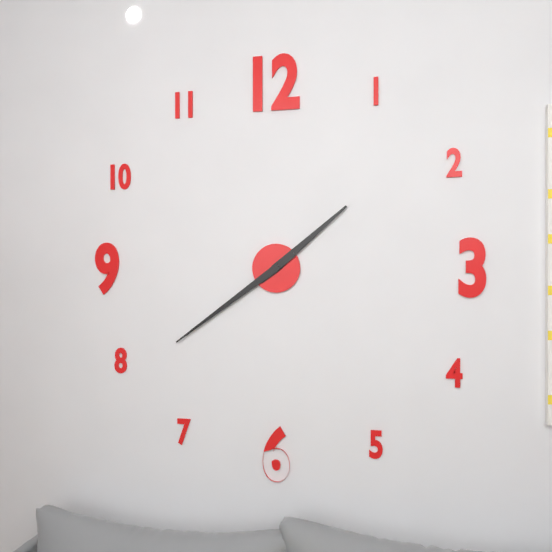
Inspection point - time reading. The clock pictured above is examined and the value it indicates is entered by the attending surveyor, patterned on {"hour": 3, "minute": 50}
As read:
{"hour": 1, "minute": 39}
